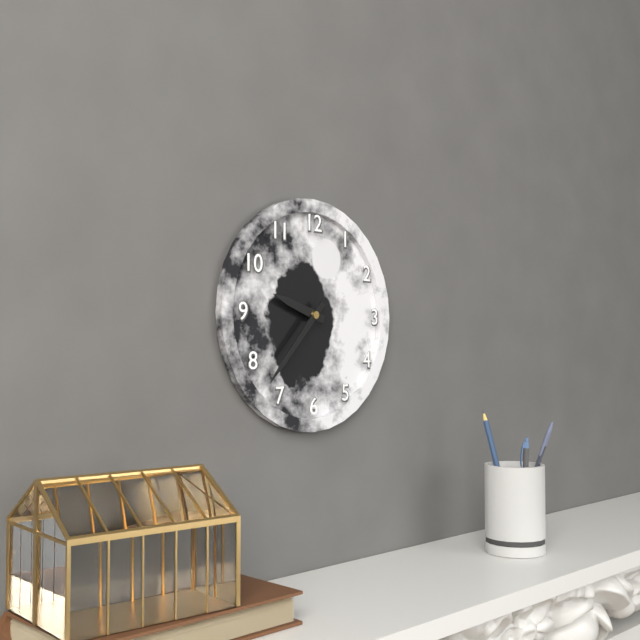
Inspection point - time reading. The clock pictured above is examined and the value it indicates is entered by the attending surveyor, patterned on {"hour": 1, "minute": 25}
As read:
{"hour": 9, "minute": 37}
